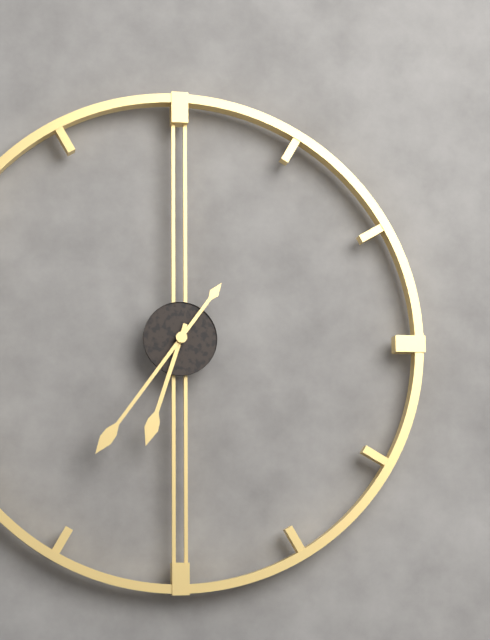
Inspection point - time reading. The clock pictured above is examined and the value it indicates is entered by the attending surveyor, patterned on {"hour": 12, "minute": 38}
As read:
{"hour": 6, "minute": 36}
